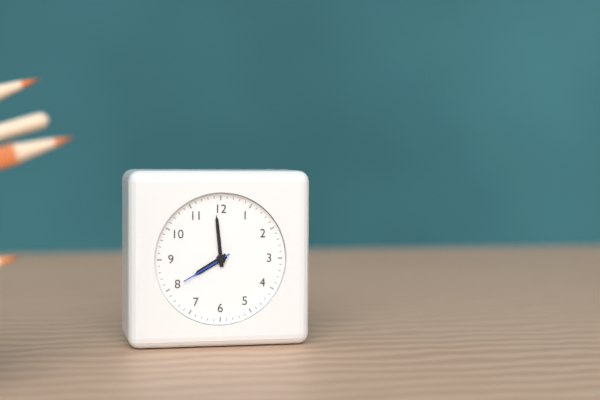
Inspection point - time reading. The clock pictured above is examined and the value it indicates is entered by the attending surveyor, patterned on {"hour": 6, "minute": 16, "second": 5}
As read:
{"hour": 7, "minute": 59, "second": 40}
